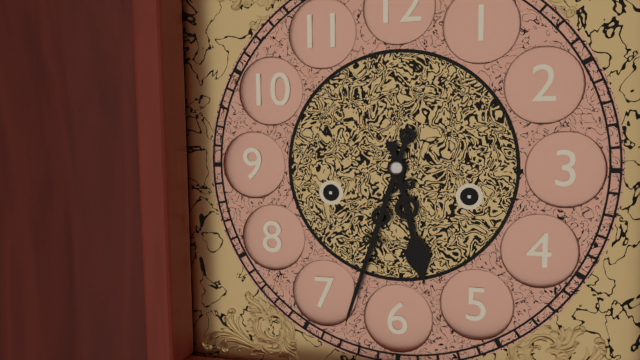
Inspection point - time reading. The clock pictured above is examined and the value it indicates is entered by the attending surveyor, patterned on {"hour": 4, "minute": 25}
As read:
{"hour": 5, "minute": 33}
